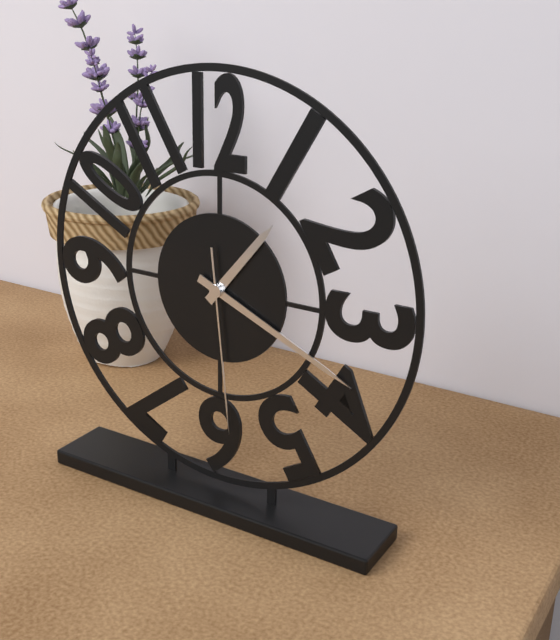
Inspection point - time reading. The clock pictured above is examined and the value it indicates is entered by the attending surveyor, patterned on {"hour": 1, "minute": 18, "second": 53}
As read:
{"hour": 1, "minute": 19, "second": 29}
